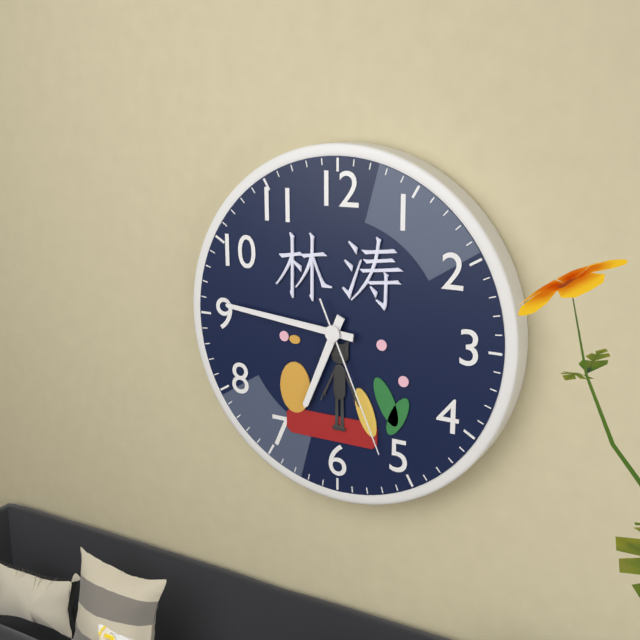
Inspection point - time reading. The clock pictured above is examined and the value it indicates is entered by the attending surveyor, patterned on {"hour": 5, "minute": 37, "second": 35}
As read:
{"hour": 6, "minute": 46, "second": 26}
